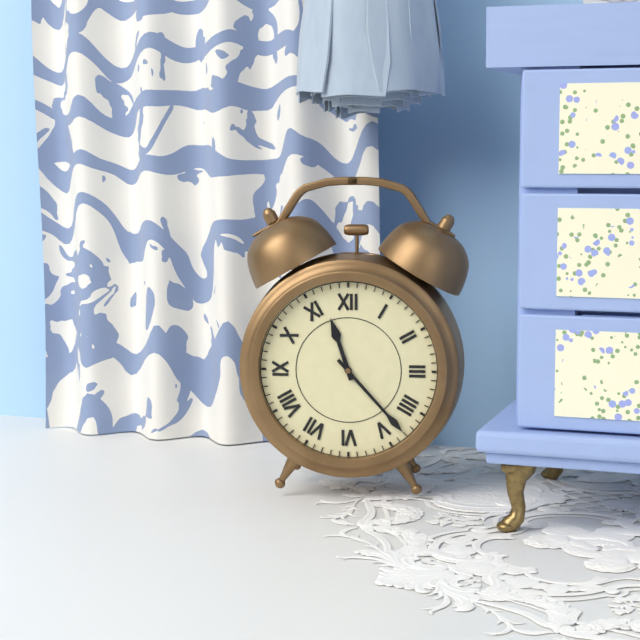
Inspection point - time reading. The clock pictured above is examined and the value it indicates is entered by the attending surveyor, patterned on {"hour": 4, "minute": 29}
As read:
{"hour": 11, "minute": 23}
